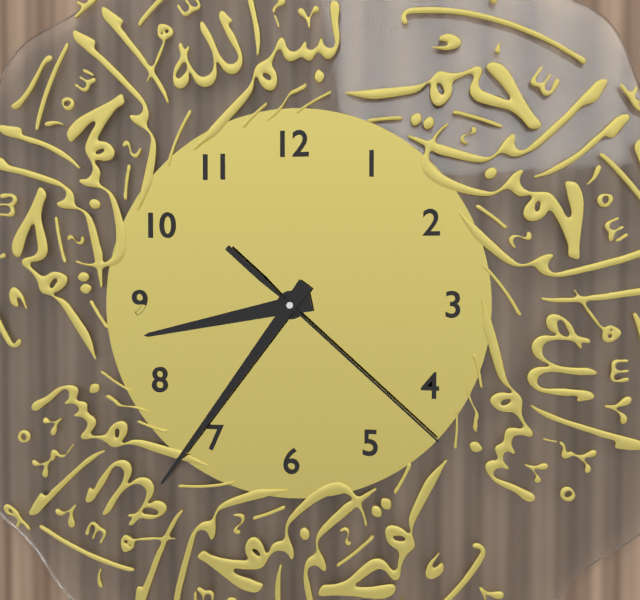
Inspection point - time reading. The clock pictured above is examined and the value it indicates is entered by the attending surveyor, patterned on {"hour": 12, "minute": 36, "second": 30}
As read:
{"hour": 8, "minute": 36, "second": 22}
